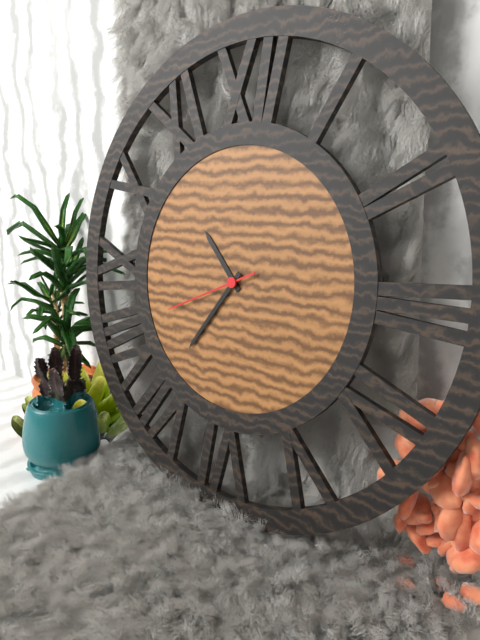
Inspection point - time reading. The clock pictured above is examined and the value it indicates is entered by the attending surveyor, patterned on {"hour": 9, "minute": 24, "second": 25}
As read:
{"hour": 10, "minute": 36, "second": 41}
